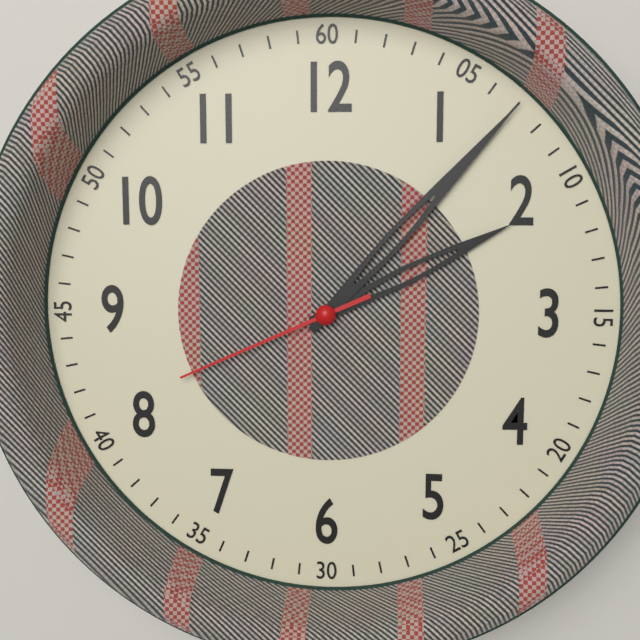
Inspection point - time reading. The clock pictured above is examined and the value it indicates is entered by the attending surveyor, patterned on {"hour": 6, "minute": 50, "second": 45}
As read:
{"hour": 2, "minute": 7, "second": 41}
